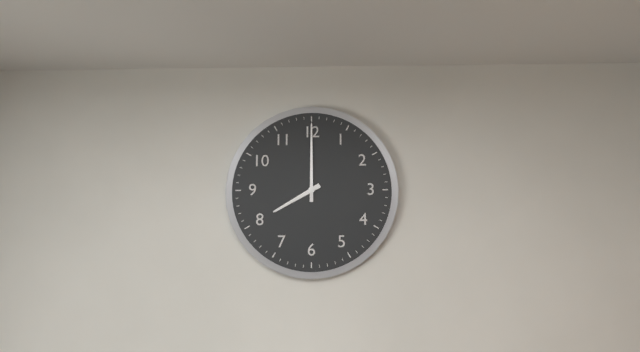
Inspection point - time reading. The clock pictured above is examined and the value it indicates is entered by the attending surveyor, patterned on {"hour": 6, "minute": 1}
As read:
{"hour": 8, "minute": 0}
